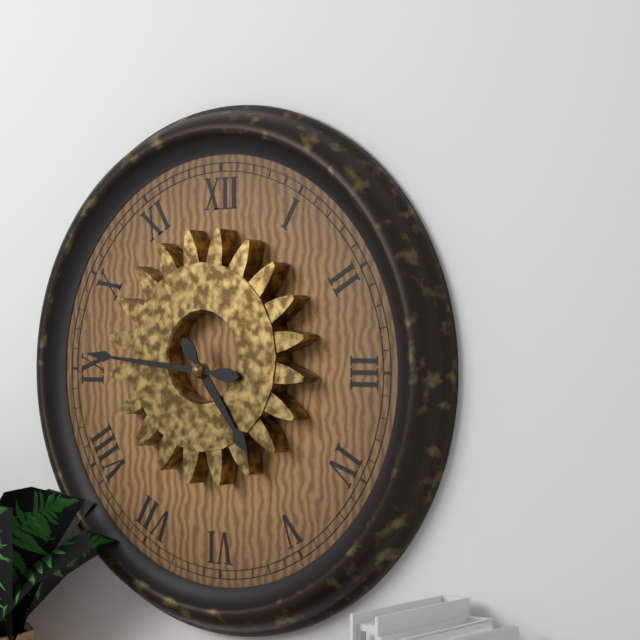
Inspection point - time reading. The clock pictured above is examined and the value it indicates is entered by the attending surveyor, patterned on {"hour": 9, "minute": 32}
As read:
{"hour": 4, "minute": 46}
